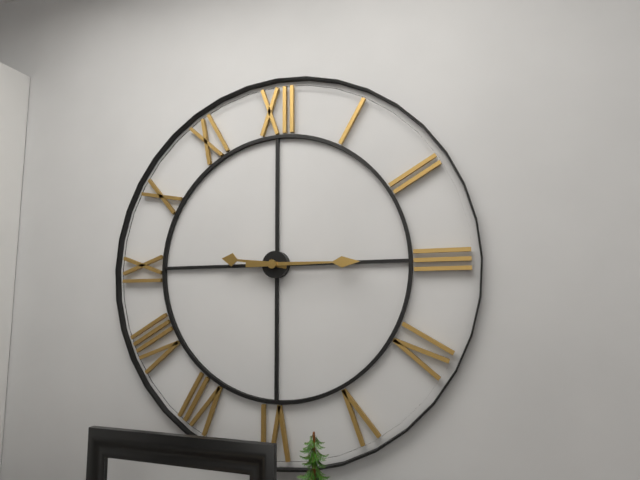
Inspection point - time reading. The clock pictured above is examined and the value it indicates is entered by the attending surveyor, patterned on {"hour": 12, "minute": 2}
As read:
{"hour": 9, "minute": 15}
